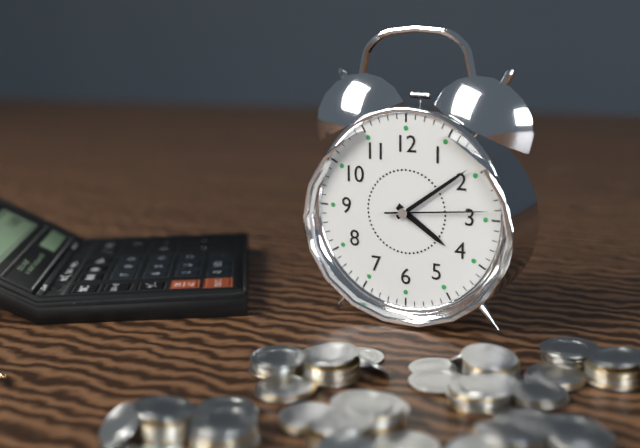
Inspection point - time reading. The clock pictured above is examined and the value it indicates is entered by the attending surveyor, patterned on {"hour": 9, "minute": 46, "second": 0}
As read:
{"hour": 4, "minute": 9, "second": 14}
